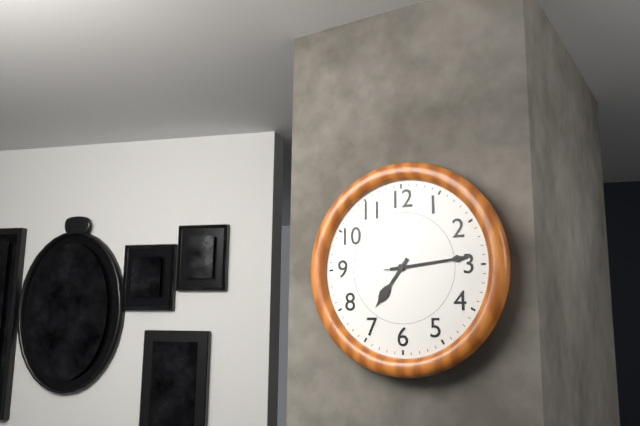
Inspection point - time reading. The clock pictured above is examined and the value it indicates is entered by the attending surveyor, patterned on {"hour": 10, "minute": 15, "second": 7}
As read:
{"hour": 7, "minute": 14, "second": 14}
